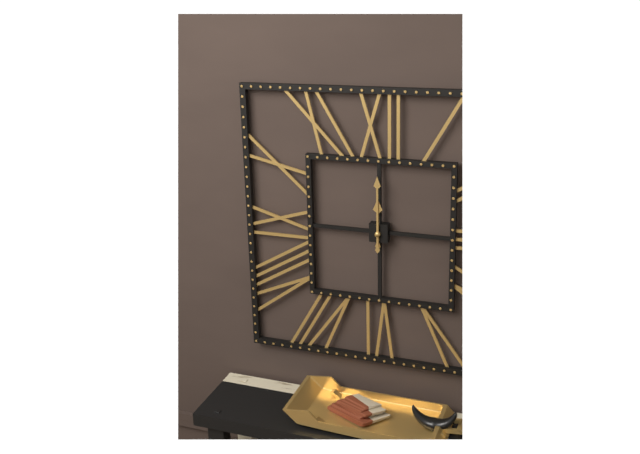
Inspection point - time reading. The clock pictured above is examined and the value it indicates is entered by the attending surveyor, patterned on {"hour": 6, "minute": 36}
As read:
{"hour": 12, "minute": 0}
